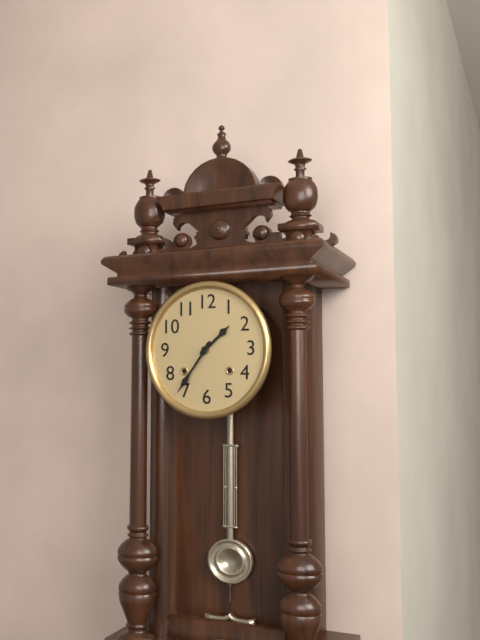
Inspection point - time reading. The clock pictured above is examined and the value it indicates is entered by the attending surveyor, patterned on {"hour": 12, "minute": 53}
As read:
{"hour": 1, "minute": 36}
